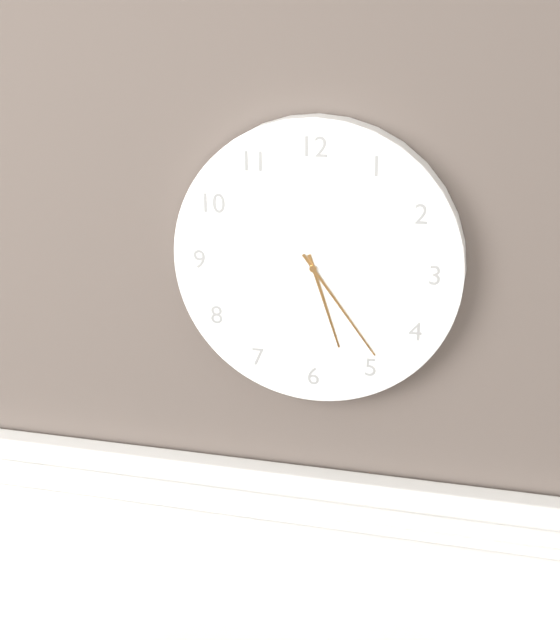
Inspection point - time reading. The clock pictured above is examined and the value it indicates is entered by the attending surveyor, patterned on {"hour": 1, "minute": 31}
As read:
{"hour": 5, "minute": 24}
